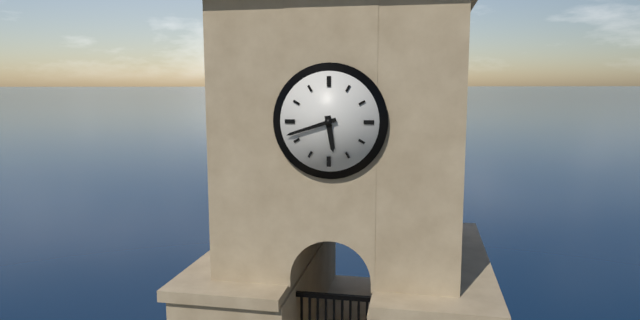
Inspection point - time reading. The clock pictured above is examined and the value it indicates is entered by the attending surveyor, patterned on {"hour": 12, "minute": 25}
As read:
{"hour": 5, "minute": 42}
